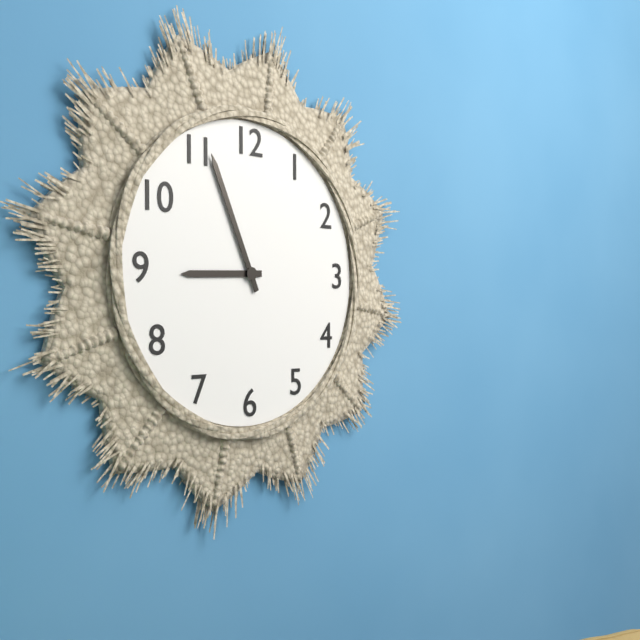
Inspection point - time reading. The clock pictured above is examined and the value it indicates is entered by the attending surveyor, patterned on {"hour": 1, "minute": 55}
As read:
{"hour": 8, "minute": 56}
